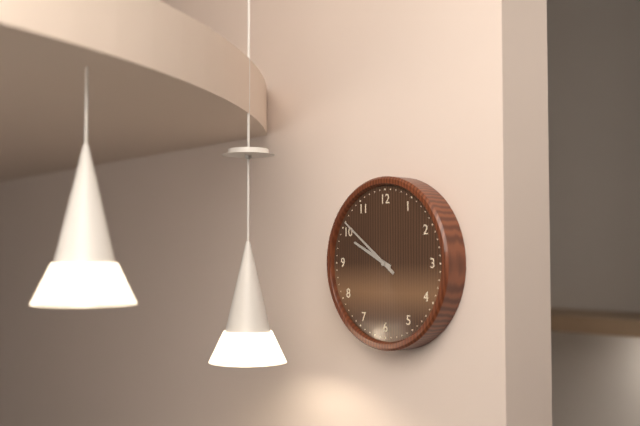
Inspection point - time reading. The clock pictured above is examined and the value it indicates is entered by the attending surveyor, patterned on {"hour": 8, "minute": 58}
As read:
{"hour": 9, "minute": 51}
